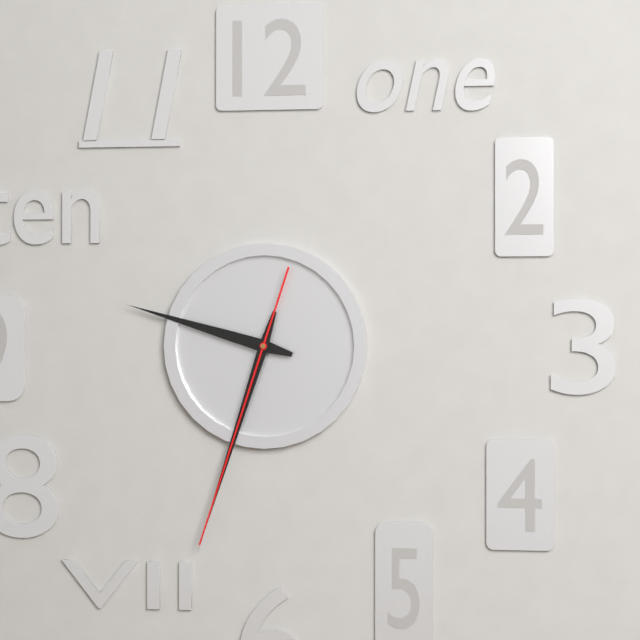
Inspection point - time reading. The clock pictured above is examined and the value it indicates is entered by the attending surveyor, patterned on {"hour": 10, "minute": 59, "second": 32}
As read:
{"hour": 9, "minute": 33, "second": 33}
